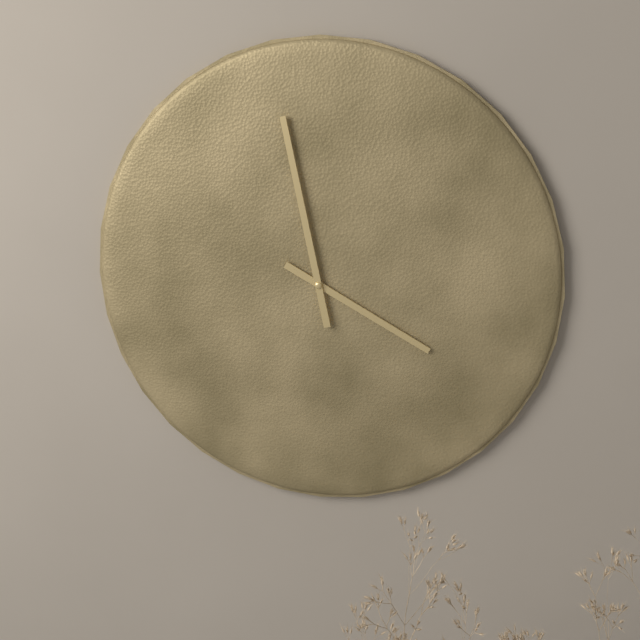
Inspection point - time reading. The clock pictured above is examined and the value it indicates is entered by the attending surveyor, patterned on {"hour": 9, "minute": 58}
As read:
{"hour": 3, "minute": 58}
